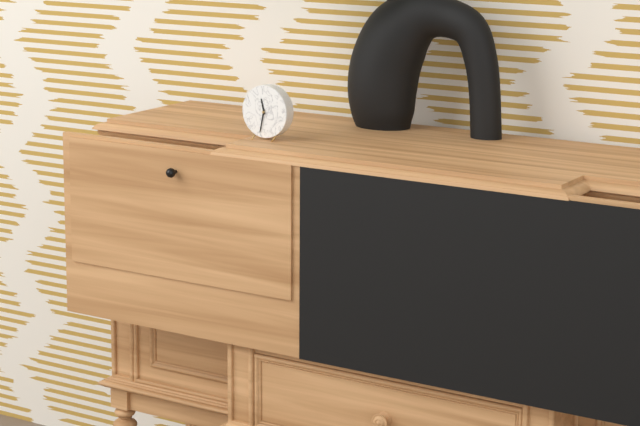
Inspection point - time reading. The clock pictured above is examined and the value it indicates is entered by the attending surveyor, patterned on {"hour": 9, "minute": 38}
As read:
{"hour": 11, "minute": 32}
